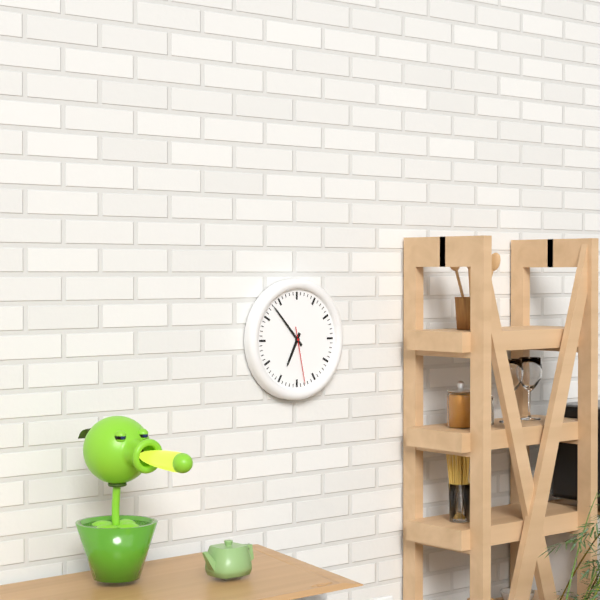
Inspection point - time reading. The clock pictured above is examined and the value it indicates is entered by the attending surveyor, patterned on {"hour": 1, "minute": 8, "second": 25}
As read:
{"hour": 6, "minute": 53, "second": 28}
